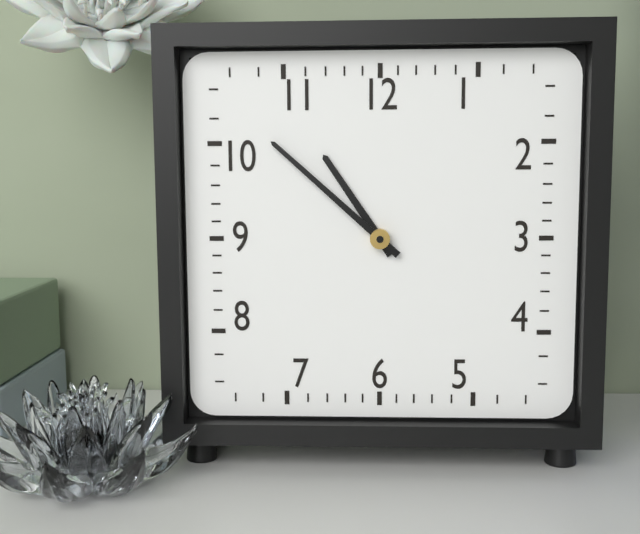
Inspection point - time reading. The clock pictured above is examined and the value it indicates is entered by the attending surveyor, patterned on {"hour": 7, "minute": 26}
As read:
{"hour": 10, "minute": 52}
